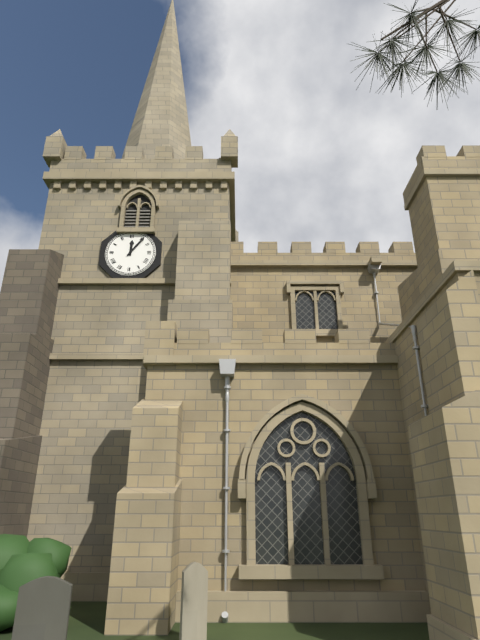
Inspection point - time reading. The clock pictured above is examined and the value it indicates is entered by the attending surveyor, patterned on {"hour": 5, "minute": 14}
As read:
{"hour": 12, "minute": 6}
